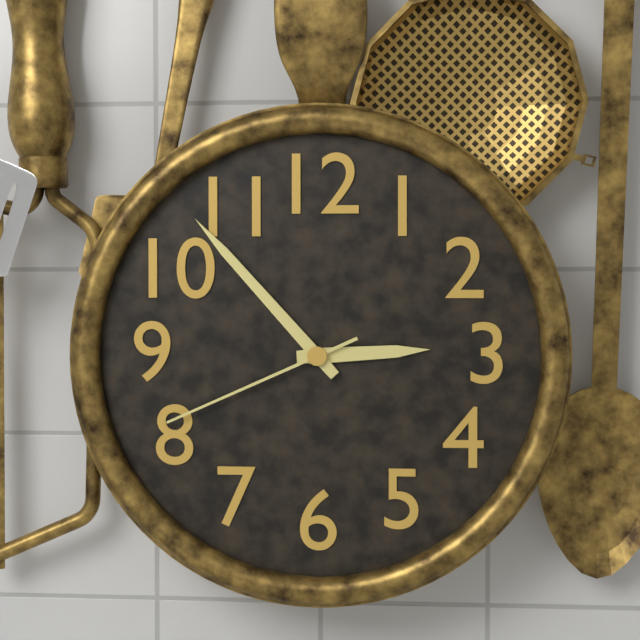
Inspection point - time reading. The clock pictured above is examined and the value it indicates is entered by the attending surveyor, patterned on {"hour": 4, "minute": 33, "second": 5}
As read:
{"hour": 2, "minute": 53, "second": 41}
